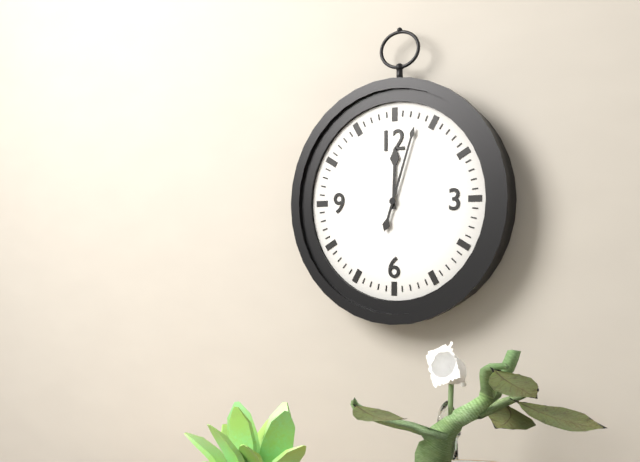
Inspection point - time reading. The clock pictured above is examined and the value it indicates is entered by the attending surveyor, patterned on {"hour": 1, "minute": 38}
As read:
{"hour": 12, "minute": 3}
